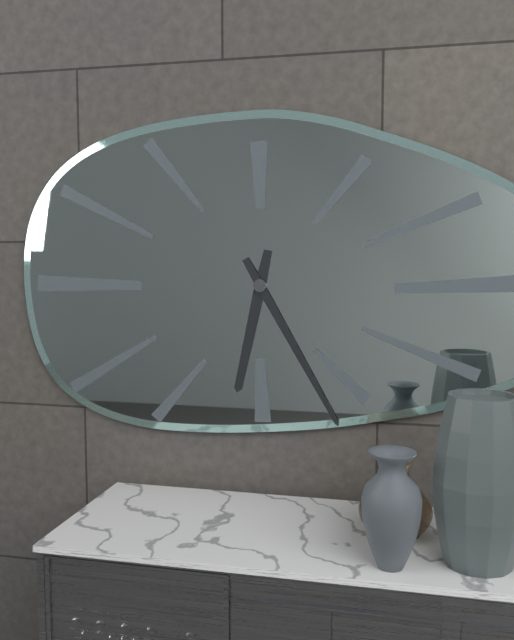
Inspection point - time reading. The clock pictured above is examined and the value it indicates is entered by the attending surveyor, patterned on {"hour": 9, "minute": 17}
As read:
{"hour": 6, "minute": 25}
